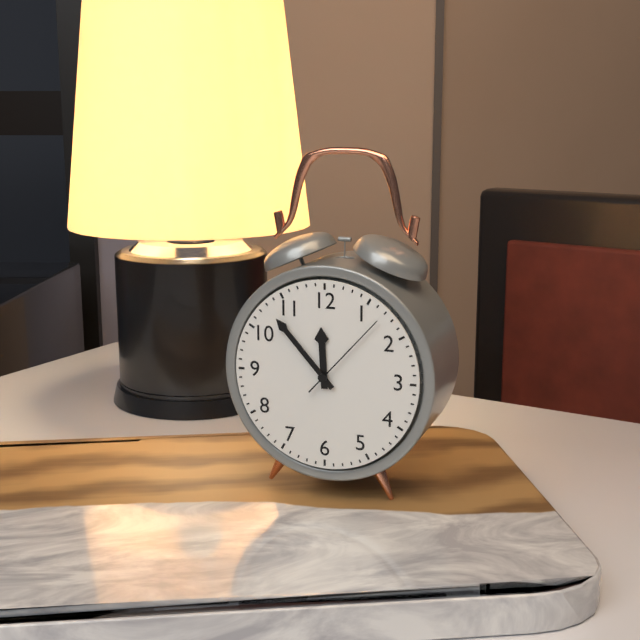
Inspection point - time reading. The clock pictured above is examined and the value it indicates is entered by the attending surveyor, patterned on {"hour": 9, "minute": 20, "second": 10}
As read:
{"hour": 11, "minute": 53, "second": 7}
